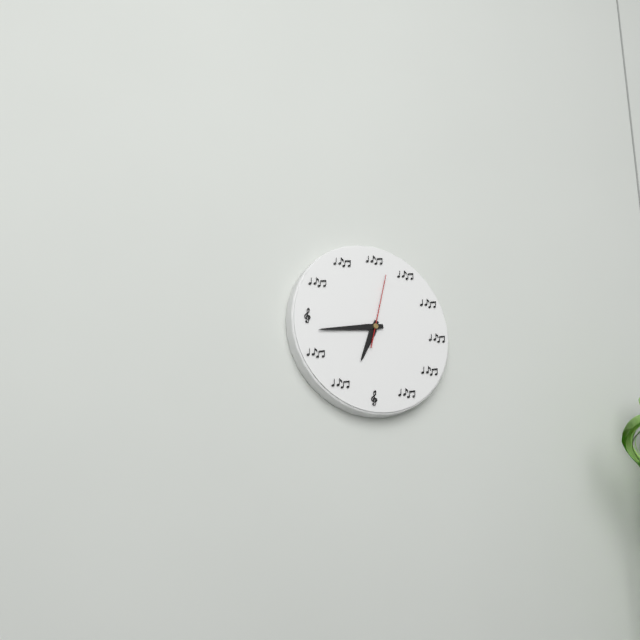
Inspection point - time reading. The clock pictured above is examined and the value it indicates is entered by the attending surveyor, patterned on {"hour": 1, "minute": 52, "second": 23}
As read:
{"hour": 6, "minute": 43, "second": 2}
